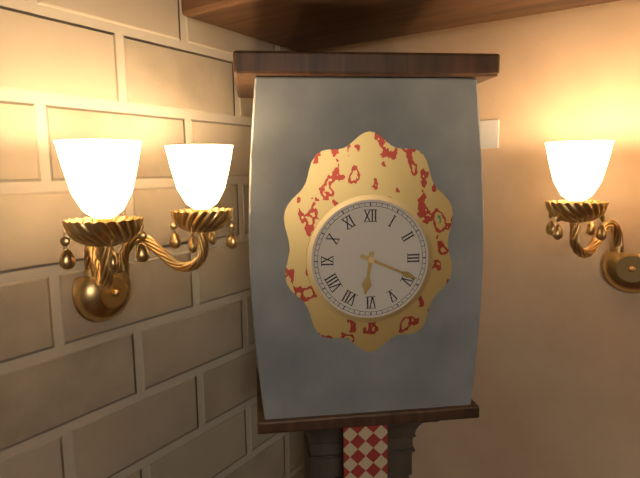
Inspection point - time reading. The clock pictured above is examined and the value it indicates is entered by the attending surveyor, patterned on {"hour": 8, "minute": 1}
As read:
{"hour": 6, "minute": 19}
